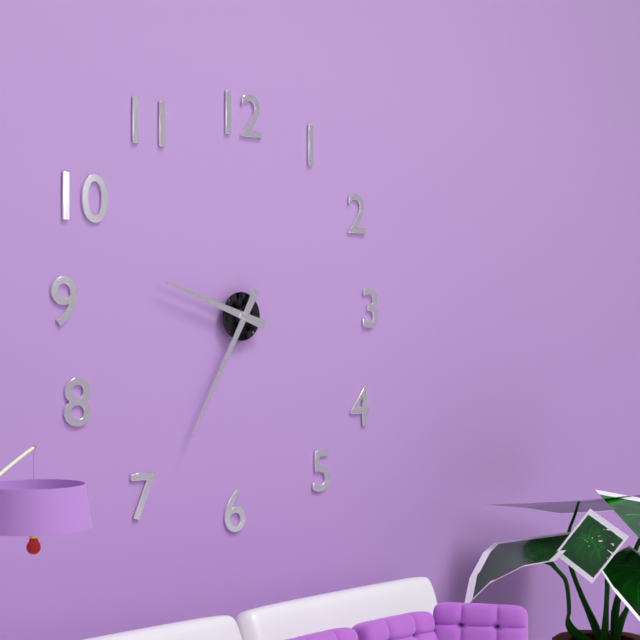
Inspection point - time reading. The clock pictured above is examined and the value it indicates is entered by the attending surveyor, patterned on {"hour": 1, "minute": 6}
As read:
{"hour": 9, "minute": 35}
